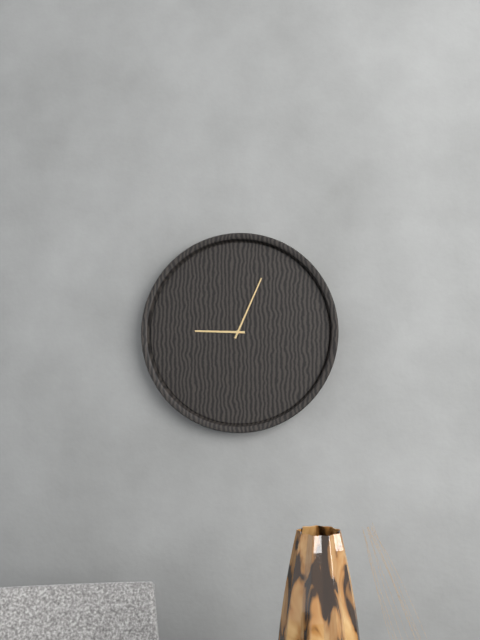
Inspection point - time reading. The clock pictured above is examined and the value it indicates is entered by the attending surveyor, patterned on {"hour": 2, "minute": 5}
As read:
{"hour": 9, "minute": 4}
